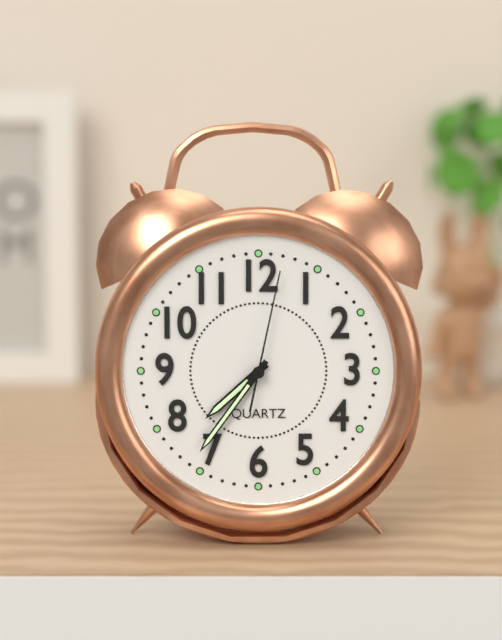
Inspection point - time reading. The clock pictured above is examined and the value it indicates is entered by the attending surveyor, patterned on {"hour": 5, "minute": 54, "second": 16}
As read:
{"hour": 7, "minute": 36, "second": 2}
